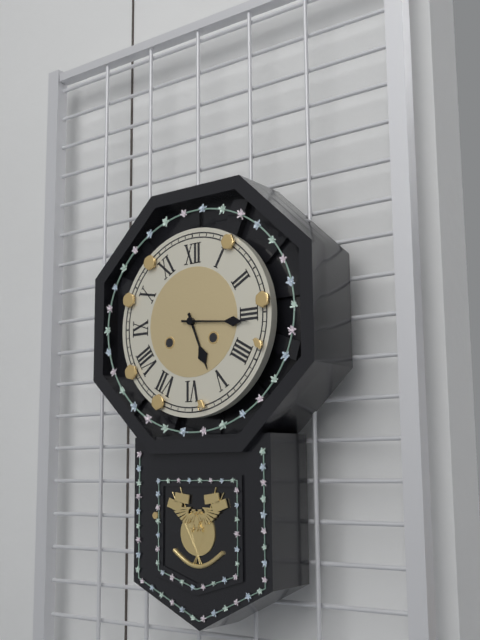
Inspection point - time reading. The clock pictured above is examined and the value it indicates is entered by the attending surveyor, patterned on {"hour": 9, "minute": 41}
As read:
{"hour": 5, "minute": 16}
